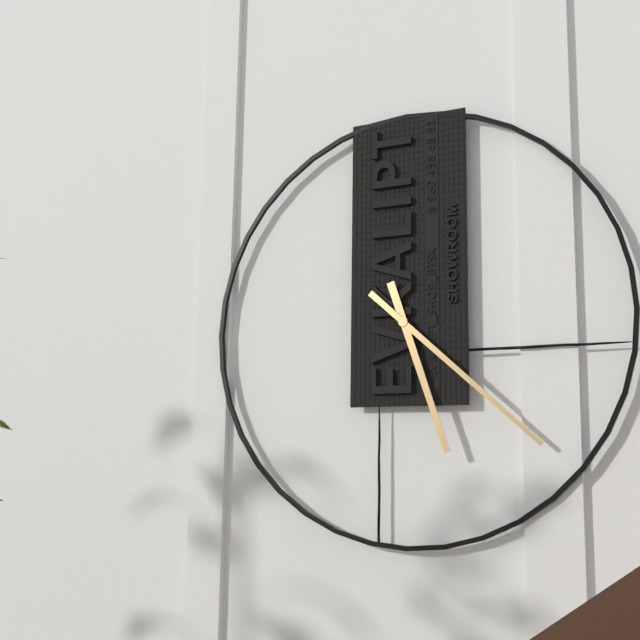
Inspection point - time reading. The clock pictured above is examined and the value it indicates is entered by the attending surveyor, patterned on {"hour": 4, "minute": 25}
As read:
{"hour": 5, "minute": 22}
